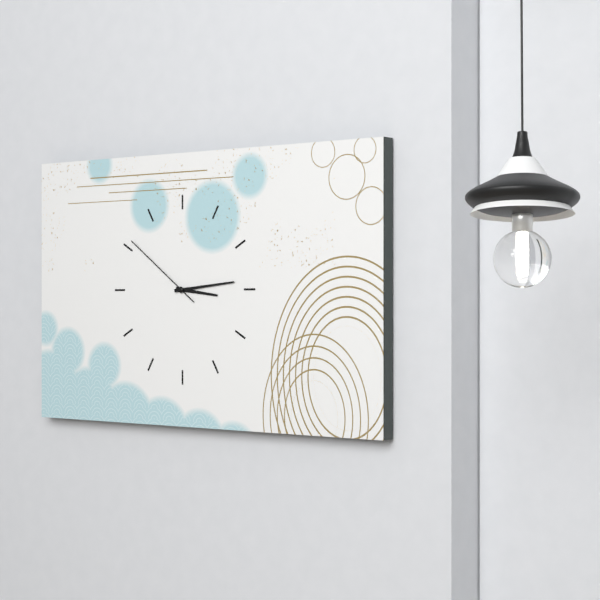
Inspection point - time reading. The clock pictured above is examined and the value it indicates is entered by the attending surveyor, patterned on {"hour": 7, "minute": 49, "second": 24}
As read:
{"hour": 3, "minute": 14, "second": 51}
